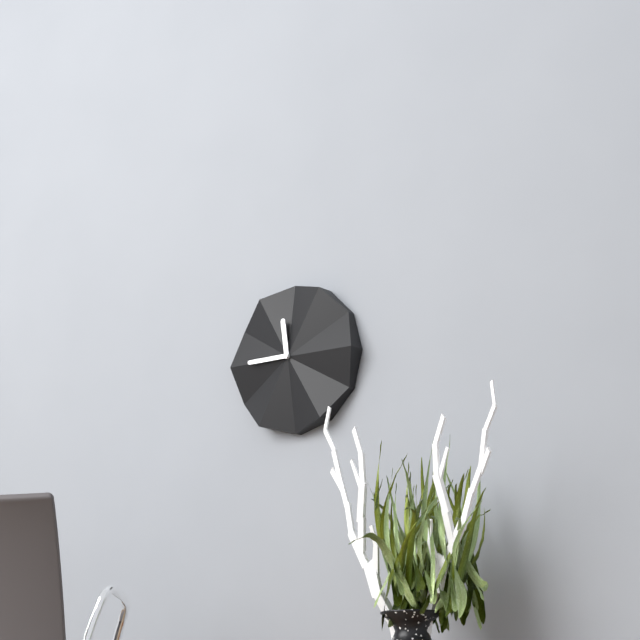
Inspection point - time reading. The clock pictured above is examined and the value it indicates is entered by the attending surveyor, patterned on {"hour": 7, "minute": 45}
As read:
{"hour": 11, "minute": 45}
